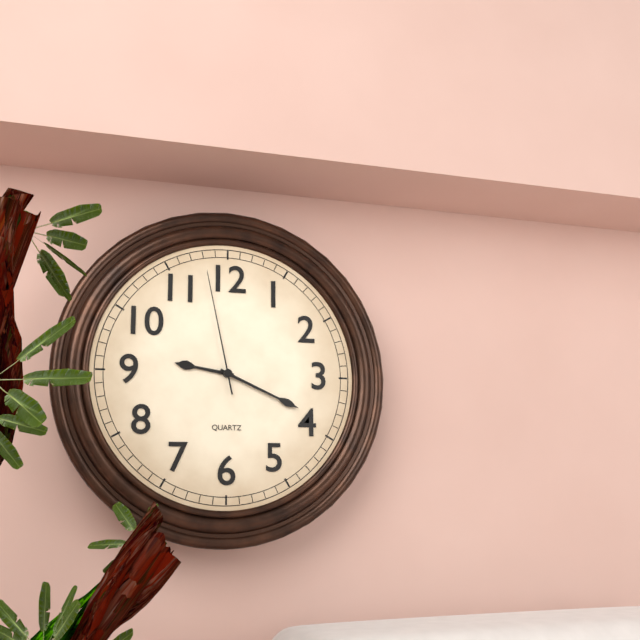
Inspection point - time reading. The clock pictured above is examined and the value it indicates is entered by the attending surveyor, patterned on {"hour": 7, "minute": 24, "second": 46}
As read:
{"hour": 9, "minute": 19, "second": 58}
